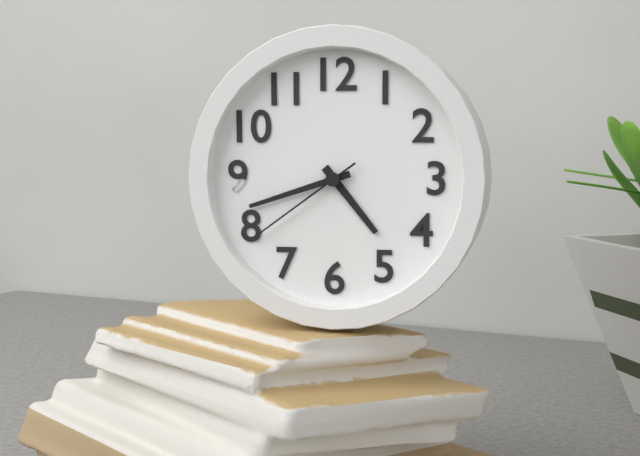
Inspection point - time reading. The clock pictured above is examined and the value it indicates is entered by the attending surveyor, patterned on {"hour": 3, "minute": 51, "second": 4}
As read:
{"hour": 4, "minute": 42, "second": 39}
